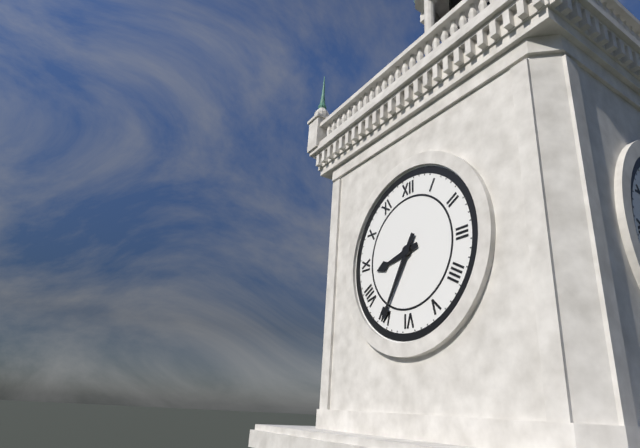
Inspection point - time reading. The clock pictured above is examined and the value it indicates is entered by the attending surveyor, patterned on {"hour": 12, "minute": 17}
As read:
{"hour": 8, "minute": 35}
